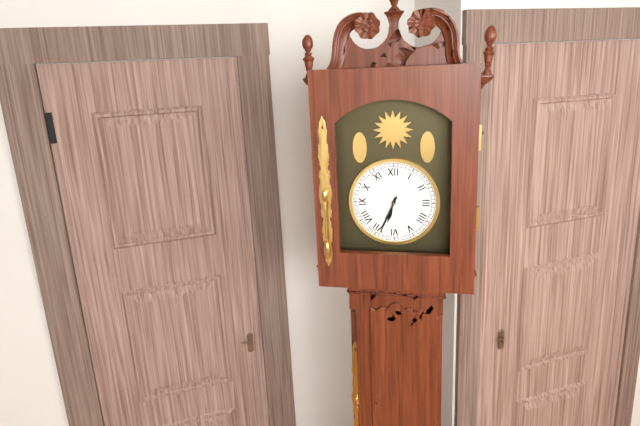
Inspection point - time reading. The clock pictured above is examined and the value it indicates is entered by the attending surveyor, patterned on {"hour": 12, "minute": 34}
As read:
{"hour": 6, "minute": 34}
